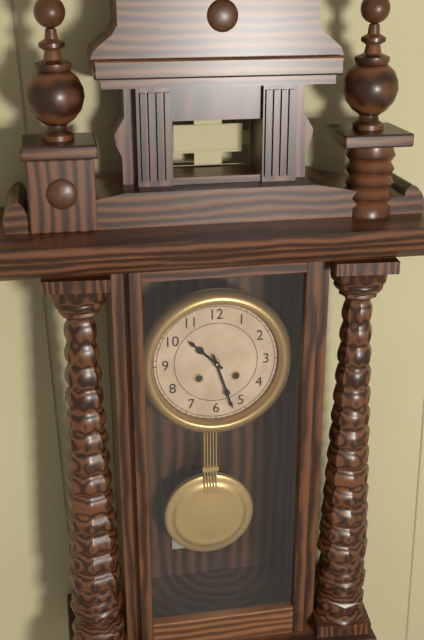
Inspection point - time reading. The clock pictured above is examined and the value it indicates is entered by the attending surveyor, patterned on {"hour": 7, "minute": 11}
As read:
{"hour": 10, "minute": 27}
